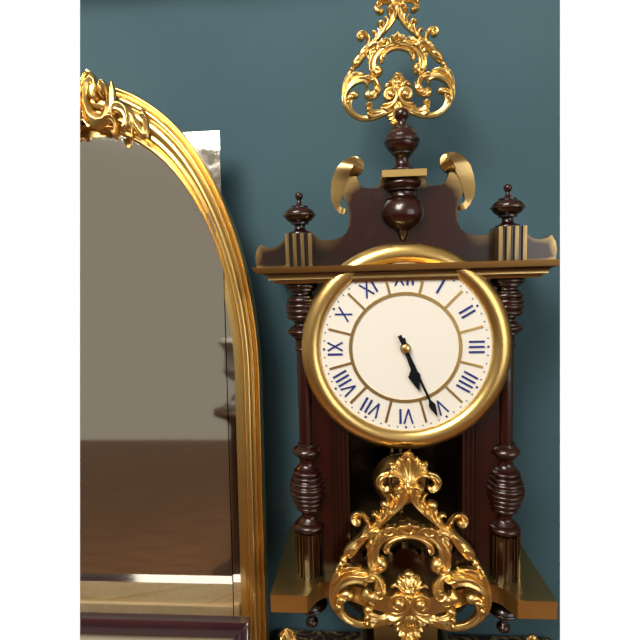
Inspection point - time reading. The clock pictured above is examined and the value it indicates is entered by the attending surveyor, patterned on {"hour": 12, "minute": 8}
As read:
{"hour": 5, "minute": 26}
